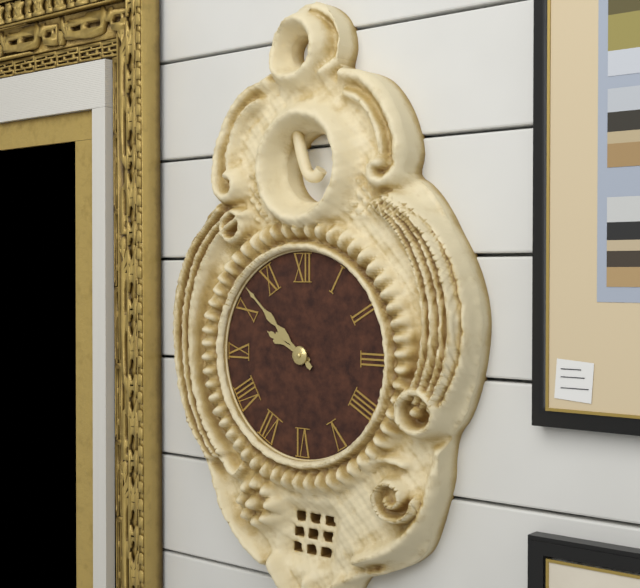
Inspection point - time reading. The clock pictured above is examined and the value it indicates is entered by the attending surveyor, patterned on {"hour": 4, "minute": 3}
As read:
{"hour": 9, "minute": 52}
